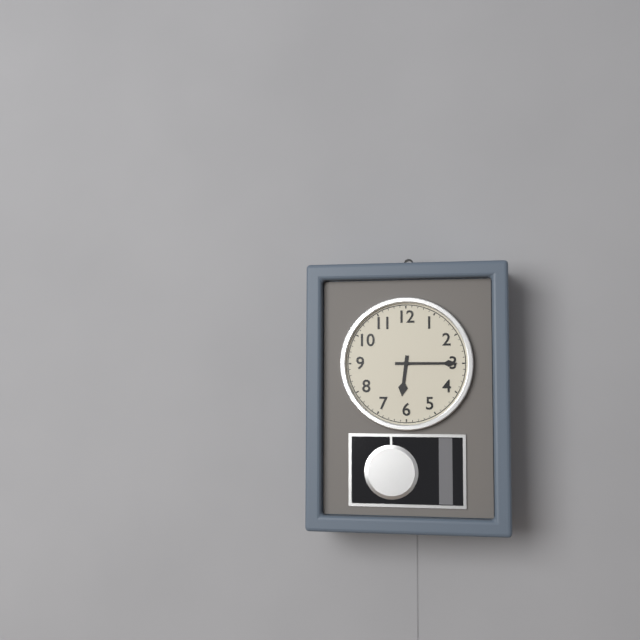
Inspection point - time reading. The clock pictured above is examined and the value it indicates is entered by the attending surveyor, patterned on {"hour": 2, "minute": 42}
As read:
{"hour": 6, "minute": 15}
